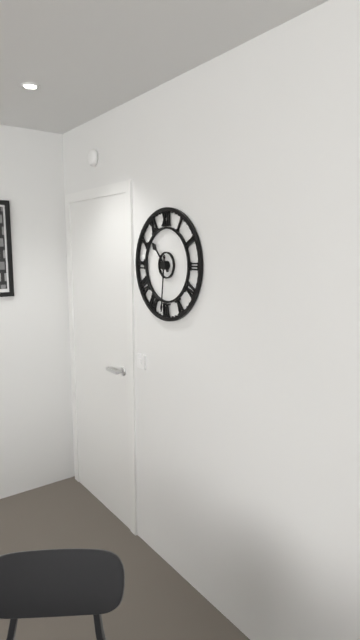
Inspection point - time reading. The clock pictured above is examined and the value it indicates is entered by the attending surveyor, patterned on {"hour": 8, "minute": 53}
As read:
{"hour": 10, "minute": 31}
